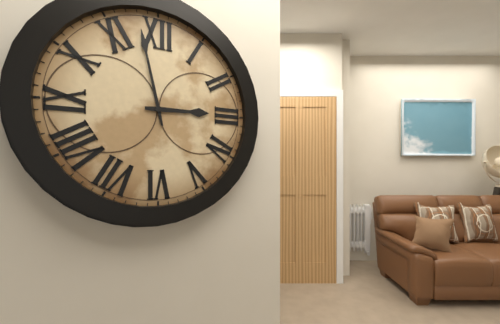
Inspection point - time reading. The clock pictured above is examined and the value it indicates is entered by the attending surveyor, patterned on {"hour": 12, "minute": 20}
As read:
{"hour": 2, "minute": 58}
